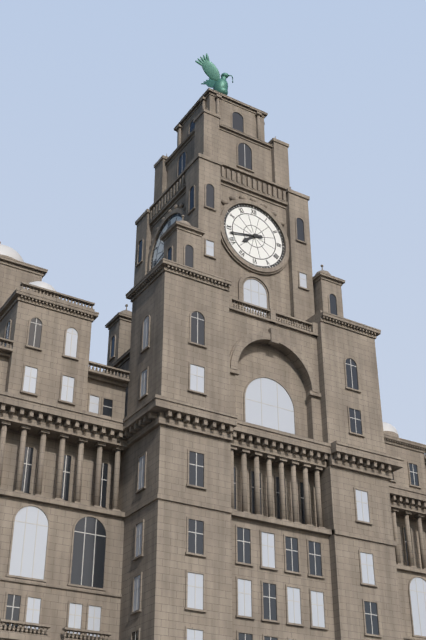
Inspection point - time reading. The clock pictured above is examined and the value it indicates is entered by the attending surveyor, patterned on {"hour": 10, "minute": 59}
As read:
{"hour": 7, "minute": 43}
